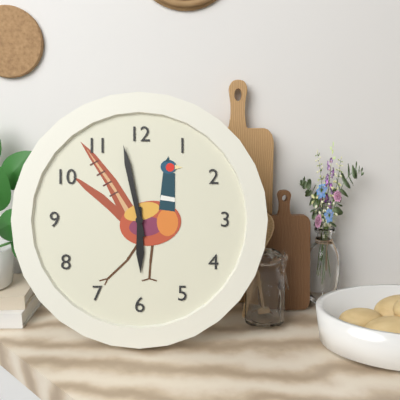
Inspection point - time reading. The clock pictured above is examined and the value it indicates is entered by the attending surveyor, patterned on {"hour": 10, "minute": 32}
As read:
{"hour": 5, "minute": 58}
